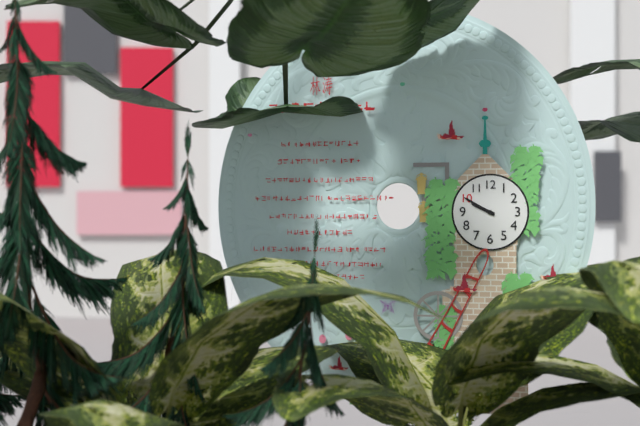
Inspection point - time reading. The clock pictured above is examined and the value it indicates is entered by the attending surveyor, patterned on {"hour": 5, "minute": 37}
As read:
{"hour": 9, "minute": 50}
